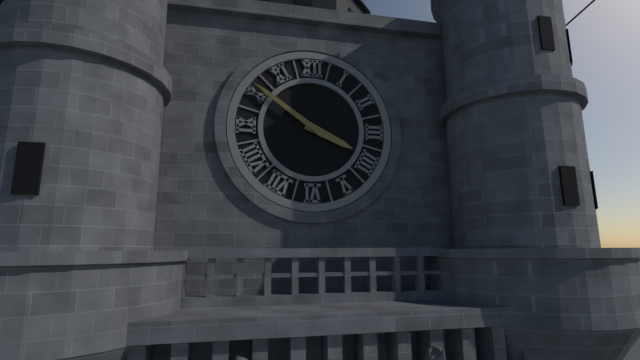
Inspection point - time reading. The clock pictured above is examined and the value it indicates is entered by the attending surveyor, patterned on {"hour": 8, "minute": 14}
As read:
{"hour": 3, "minute": 51}
